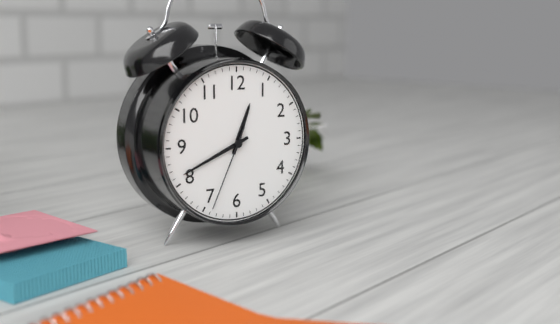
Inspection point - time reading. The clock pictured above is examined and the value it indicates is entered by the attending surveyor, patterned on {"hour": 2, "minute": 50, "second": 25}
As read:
{"hour": 12, "minute": 41, "second": 34}
